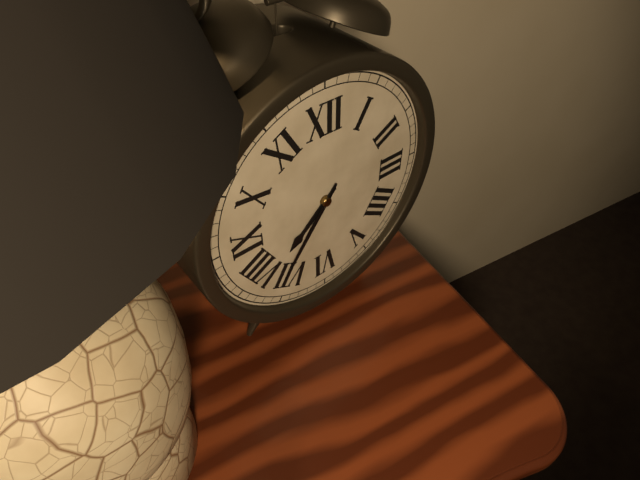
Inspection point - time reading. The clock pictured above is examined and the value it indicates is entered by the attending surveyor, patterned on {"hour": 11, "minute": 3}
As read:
{"hour": 7, "minute": 36}
